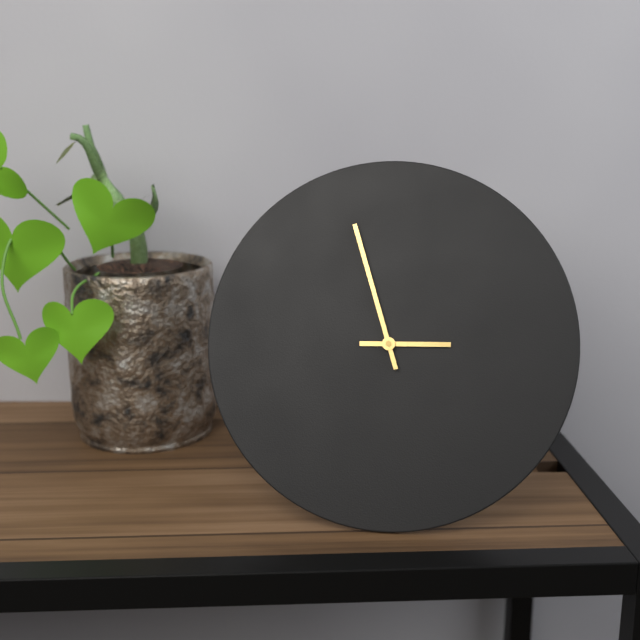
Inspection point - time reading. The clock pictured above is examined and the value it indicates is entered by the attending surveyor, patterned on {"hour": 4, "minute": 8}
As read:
{"hour": 2, "minute": 57}
